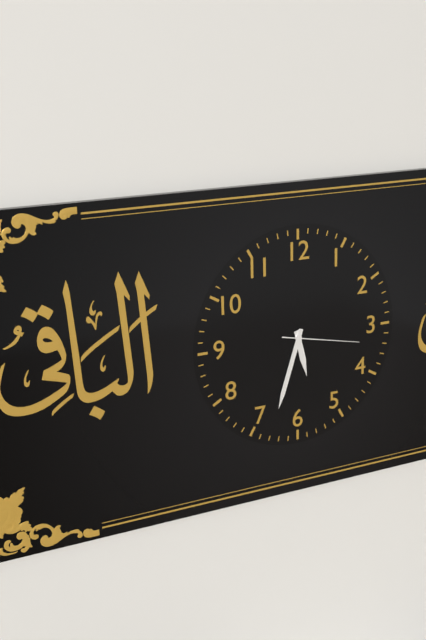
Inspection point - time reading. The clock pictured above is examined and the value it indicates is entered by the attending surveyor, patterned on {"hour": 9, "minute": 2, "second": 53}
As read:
{"hour": 5, "minute": 33, "second": 17}
